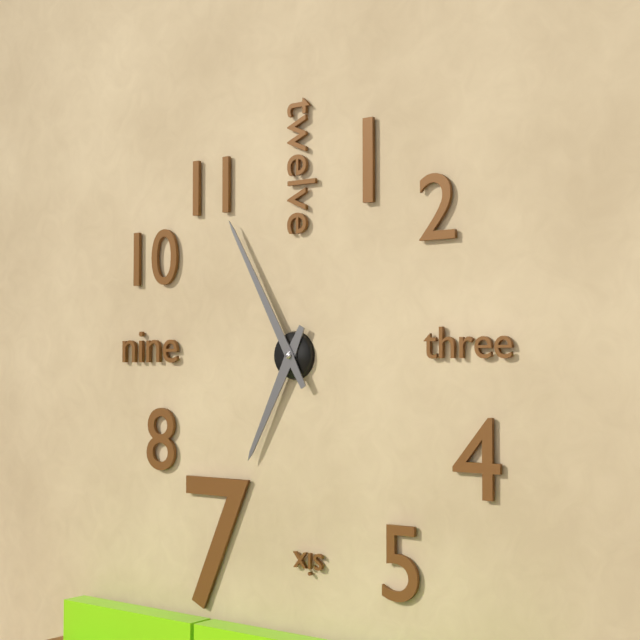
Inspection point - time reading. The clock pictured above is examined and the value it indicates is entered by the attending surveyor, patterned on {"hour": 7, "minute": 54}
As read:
{"hour": 6, "minute": 55}
